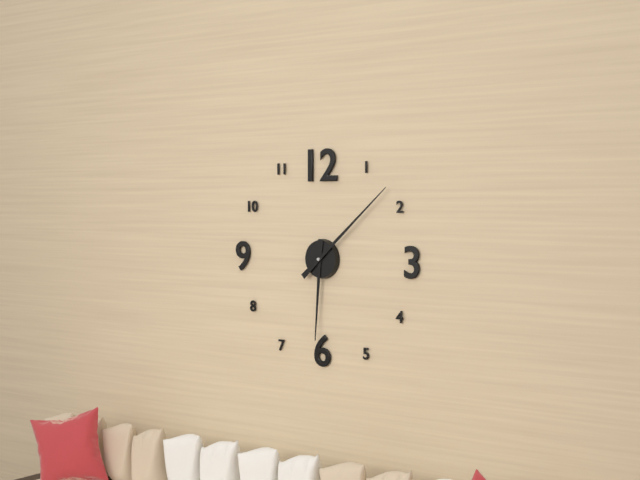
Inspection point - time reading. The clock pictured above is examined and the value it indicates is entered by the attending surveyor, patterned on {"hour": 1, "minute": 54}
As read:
{"hour": 6, "minute": 8}
